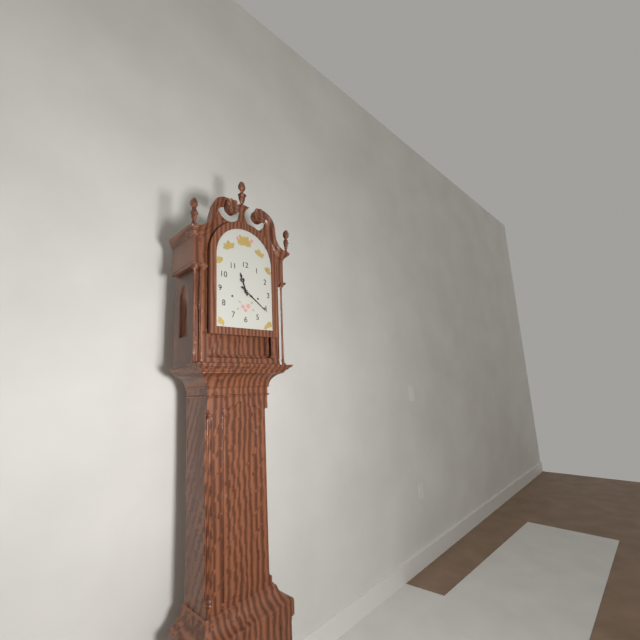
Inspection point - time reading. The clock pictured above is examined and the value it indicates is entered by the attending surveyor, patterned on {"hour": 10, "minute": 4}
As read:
{"hour": 11, "minute": 21}
